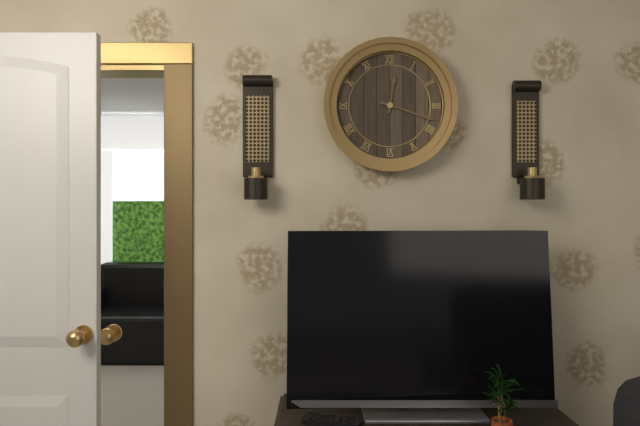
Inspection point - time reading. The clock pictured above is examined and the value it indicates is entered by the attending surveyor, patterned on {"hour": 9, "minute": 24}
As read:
{"hour": 12, "minute": 18}
